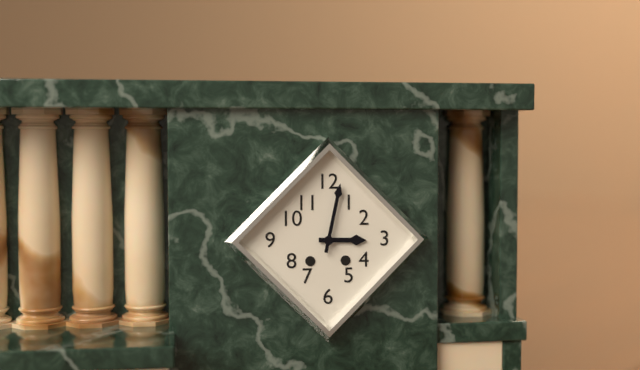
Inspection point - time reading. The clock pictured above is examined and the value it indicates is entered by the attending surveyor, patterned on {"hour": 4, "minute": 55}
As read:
{"hour": 3, "minute": 2}
